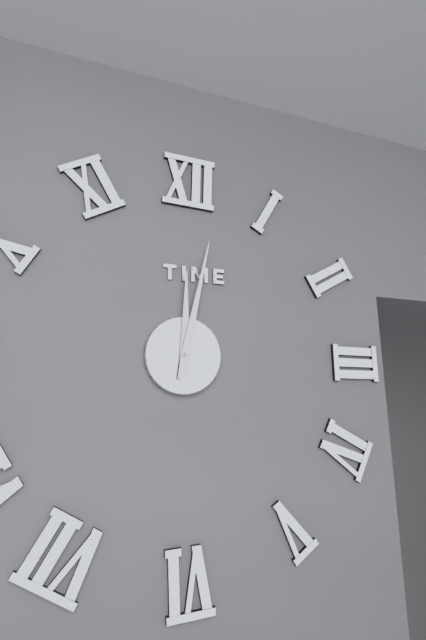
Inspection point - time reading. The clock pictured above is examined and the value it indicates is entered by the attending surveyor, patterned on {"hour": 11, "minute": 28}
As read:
{"hour": 12, "minute": 2}
